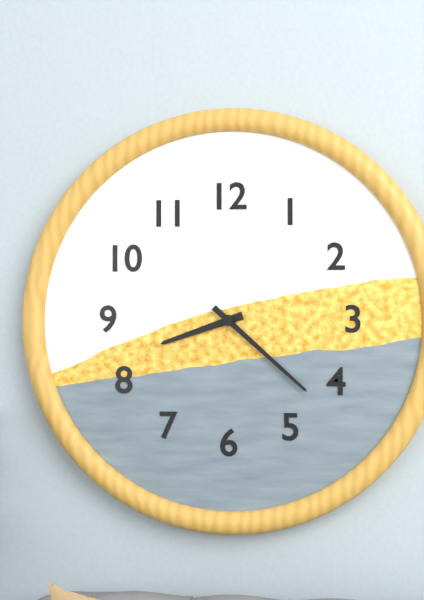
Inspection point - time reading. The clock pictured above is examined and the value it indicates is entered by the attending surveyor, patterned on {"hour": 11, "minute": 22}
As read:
{"hour": 8, "minute": 22}
